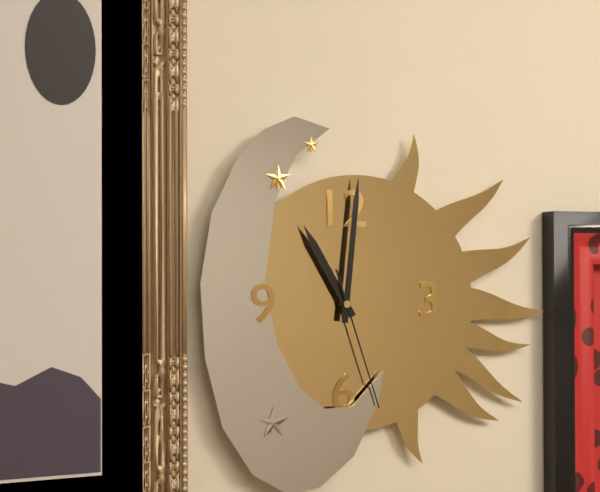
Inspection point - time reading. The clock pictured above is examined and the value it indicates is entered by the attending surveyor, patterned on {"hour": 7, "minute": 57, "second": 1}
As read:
{"hour": 11, "minute": 1, "second": 27}
